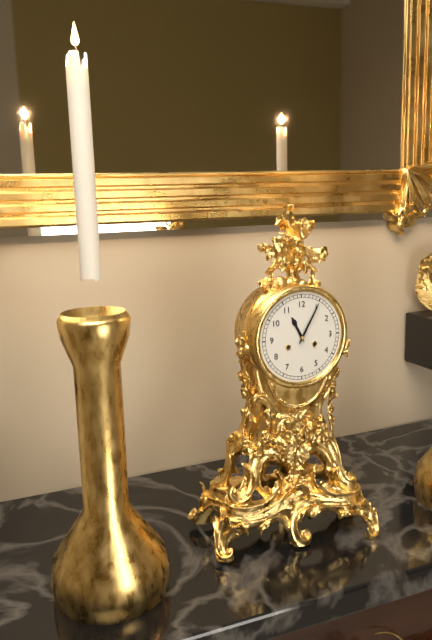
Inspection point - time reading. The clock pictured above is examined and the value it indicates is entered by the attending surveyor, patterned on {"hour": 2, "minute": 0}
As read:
{"hour": 11, "minute": 5}
